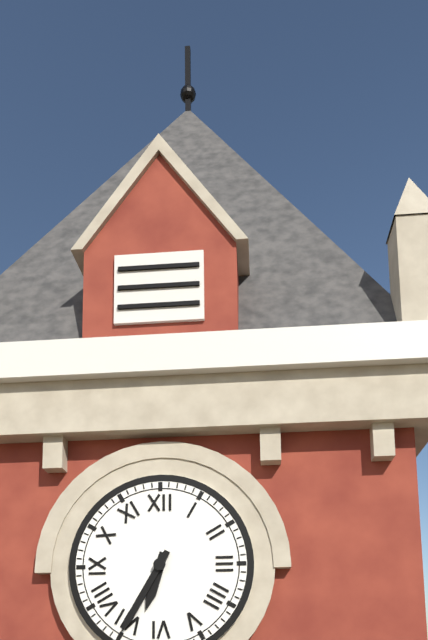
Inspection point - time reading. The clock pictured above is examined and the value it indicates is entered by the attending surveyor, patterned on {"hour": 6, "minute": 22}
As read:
{"hour": 6, "minute": 35}
